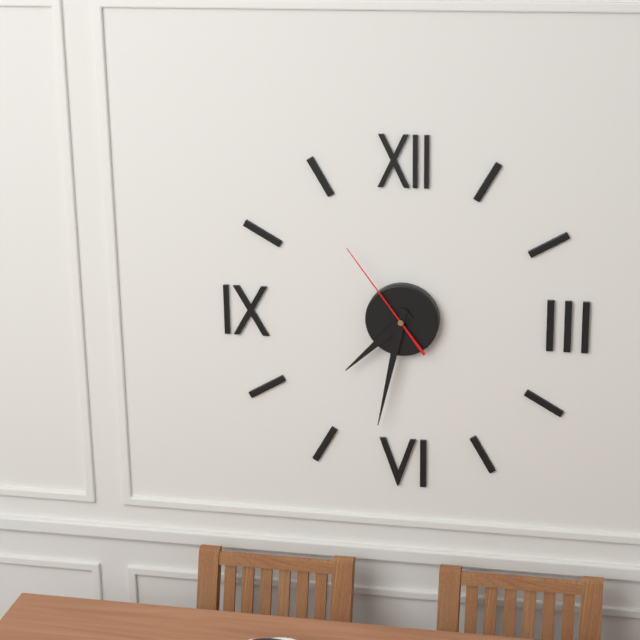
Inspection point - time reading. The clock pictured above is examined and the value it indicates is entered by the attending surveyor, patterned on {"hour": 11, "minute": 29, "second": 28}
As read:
{"hour": 7, "minute": 32, "second": 54}
